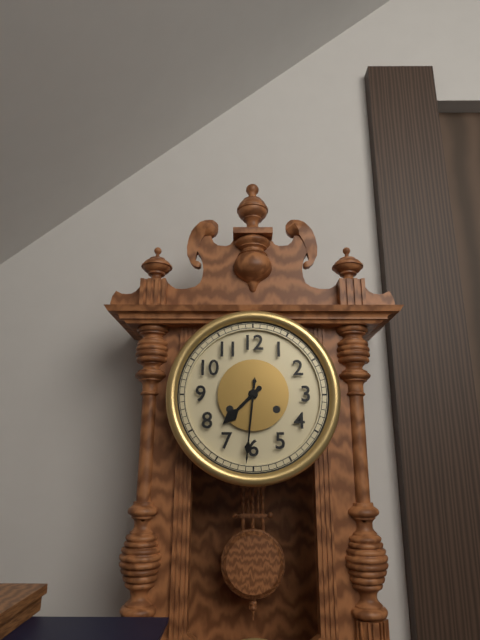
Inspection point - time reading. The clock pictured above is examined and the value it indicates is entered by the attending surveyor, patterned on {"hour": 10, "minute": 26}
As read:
{"hour": 7, "minute": 31}
